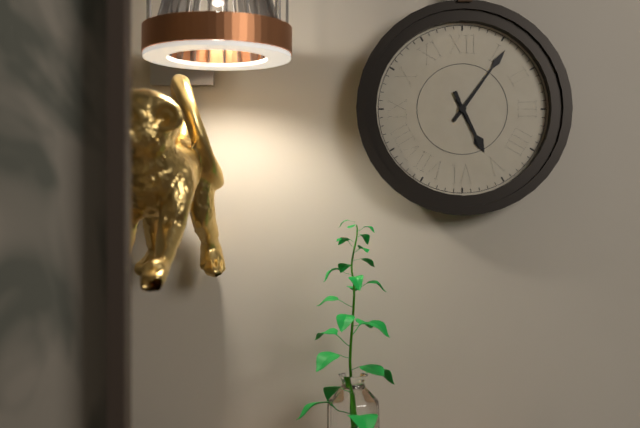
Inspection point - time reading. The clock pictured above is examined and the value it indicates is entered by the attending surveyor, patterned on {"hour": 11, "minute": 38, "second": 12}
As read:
{"hour": 5, "minute": 6, "second": 26}
